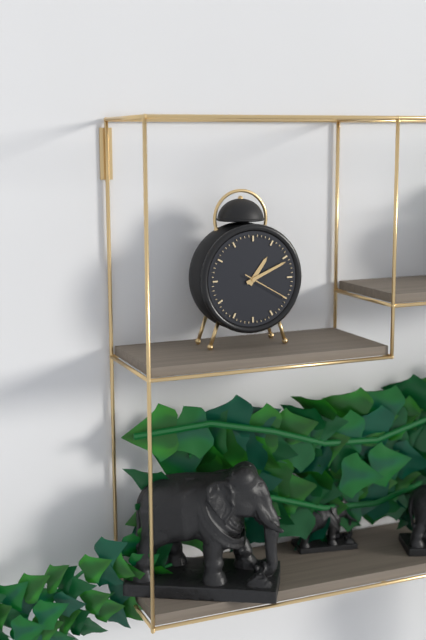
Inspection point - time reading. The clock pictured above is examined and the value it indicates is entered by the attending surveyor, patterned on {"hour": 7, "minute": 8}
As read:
{"hour": 1, "minute": 11}
